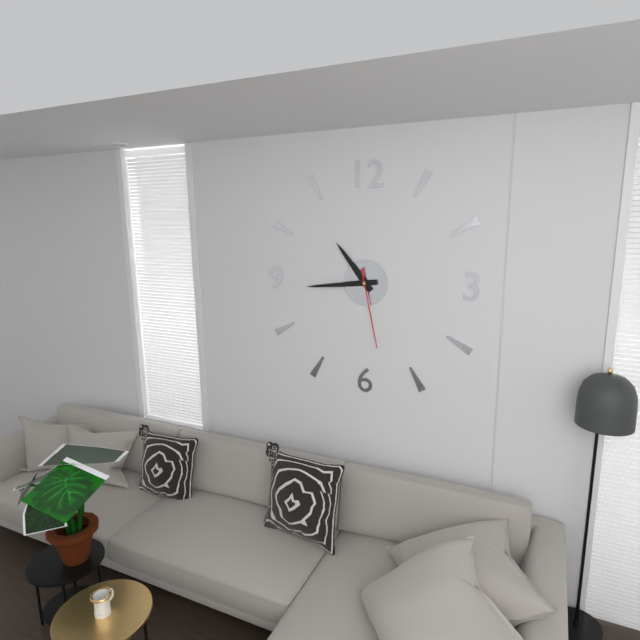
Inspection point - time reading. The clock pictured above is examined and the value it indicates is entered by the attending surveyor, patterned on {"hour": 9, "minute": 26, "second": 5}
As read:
{"hour": 10, "minute": 44, "second": 28}
